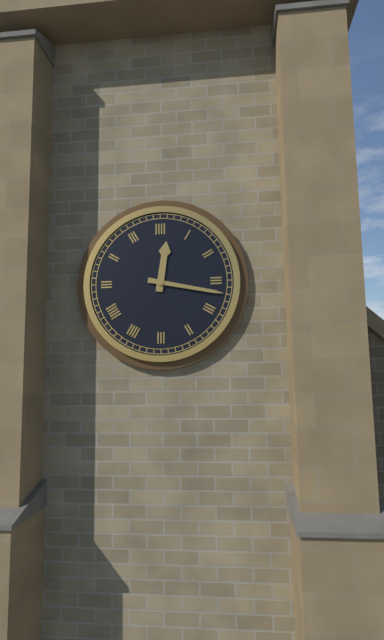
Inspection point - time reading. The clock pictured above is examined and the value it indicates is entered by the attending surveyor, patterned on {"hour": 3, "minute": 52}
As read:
{"hour": 12, "minute": 17}
